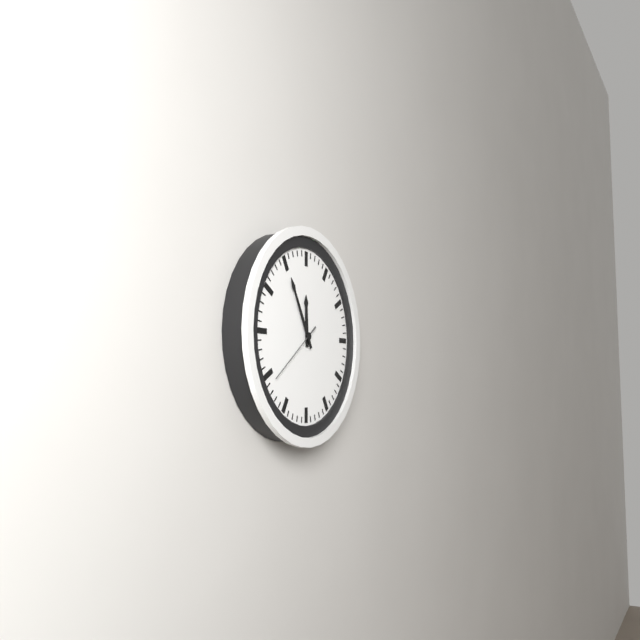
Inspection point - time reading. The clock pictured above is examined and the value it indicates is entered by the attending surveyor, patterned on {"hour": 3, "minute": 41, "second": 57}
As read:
{"hour": 11, "minute": 55, "second": 39}
